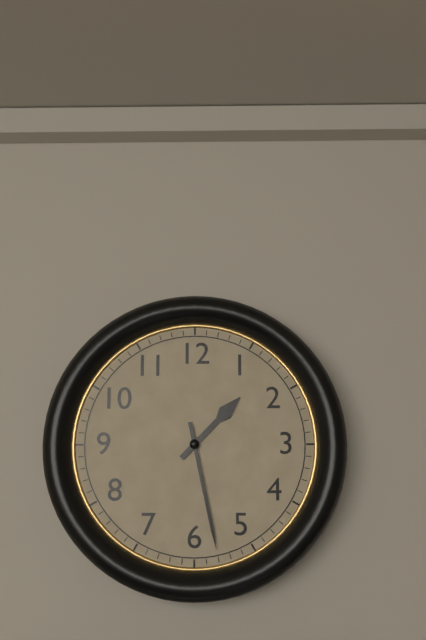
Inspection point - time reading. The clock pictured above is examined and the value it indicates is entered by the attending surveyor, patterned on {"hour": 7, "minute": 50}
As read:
{"hour": 1, "minute": 28}
